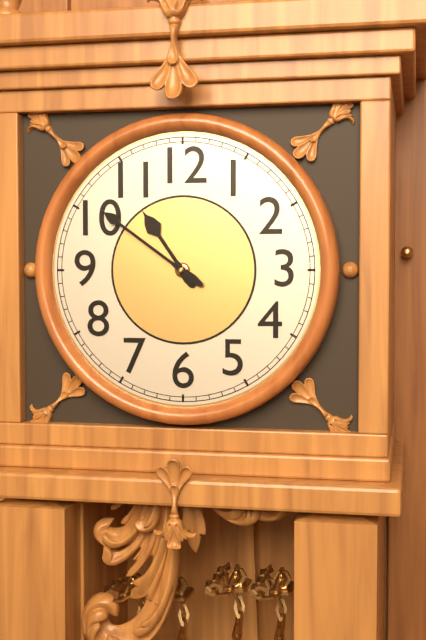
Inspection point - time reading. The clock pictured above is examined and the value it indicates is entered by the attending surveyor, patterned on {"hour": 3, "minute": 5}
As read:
{"hour": 10, "minute": 51}
